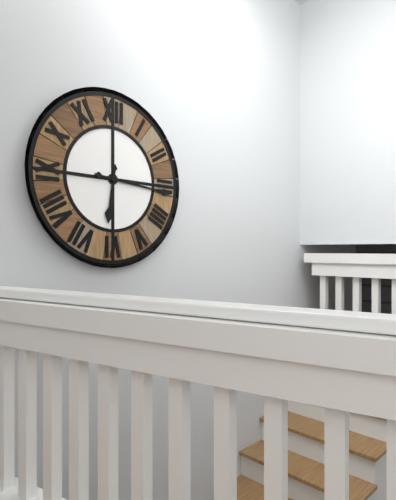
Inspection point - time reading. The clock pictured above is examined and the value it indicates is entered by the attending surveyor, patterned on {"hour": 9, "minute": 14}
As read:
{"hour": 6, "minute": 16}
